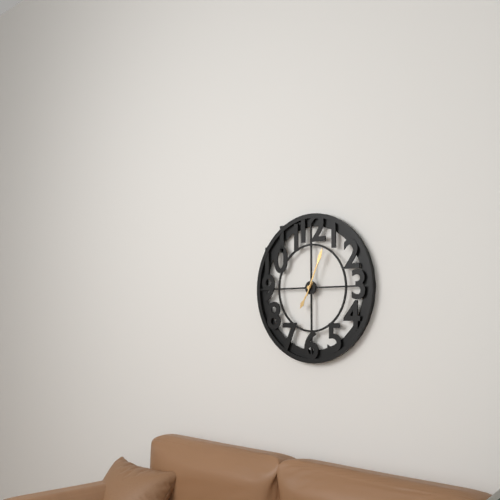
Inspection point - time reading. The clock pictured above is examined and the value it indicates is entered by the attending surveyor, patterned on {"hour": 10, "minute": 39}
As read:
{"hour": 7, "minute": 4}
